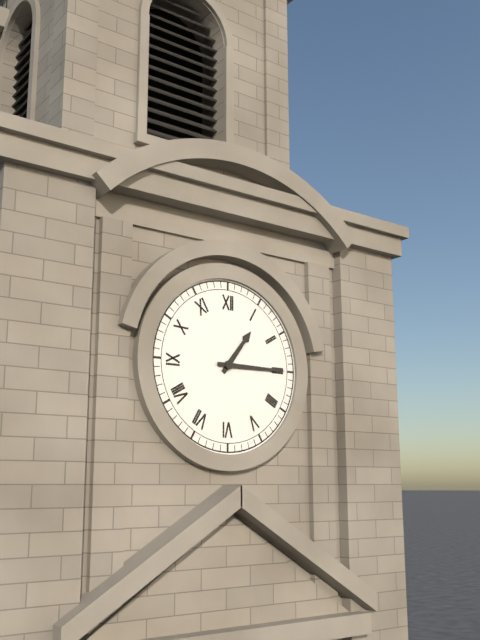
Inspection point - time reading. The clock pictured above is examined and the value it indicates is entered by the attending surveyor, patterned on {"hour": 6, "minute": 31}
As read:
{"hour": 1, "minute": 15}
